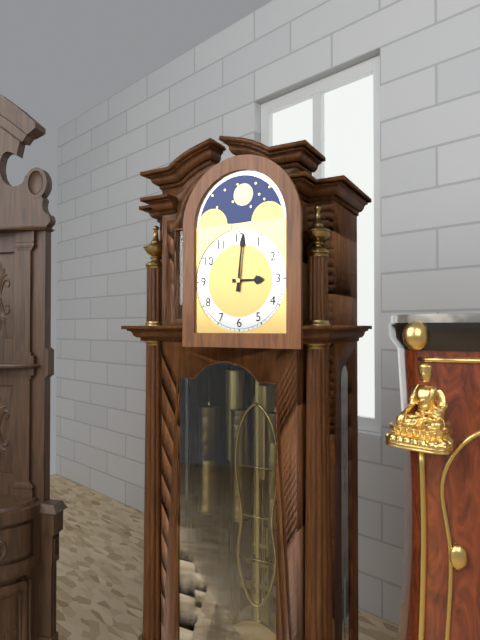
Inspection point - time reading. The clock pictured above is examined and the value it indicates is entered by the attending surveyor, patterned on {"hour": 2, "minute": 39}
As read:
{"hour": 3, "minute": 1}
